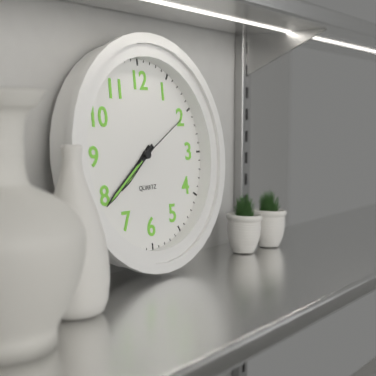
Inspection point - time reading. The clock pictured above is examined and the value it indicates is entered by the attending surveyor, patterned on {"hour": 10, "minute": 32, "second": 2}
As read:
{"hour": 7, "minute": 39, "second": 10}
